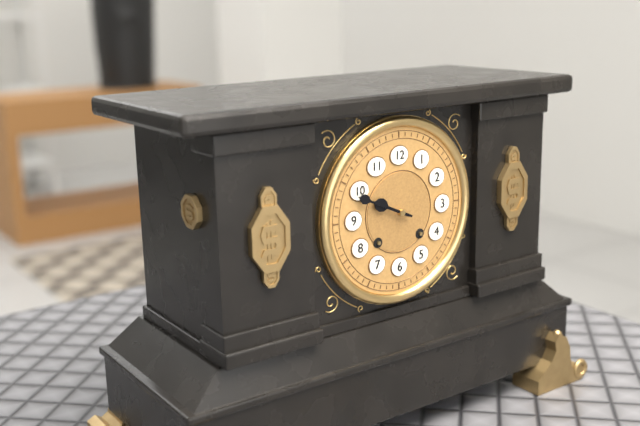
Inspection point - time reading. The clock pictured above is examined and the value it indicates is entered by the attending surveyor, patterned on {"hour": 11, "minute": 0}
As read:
{"hour": 9, "minute": 49}
